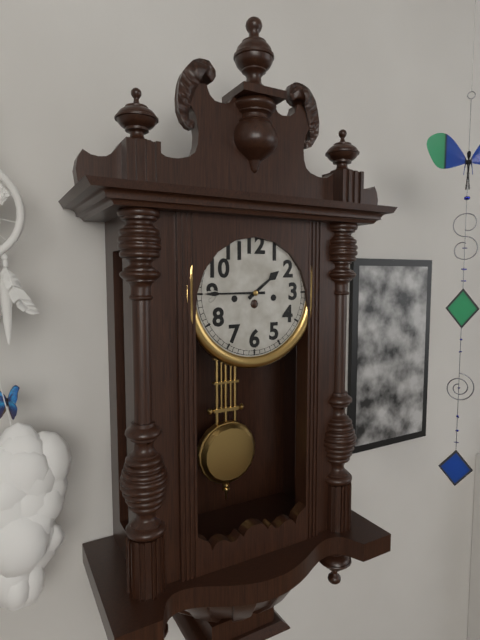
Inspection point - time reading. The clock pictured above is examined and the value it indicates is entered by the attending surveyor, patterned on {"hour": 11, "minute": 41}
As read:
{"hour": 1, "minute": 45}
